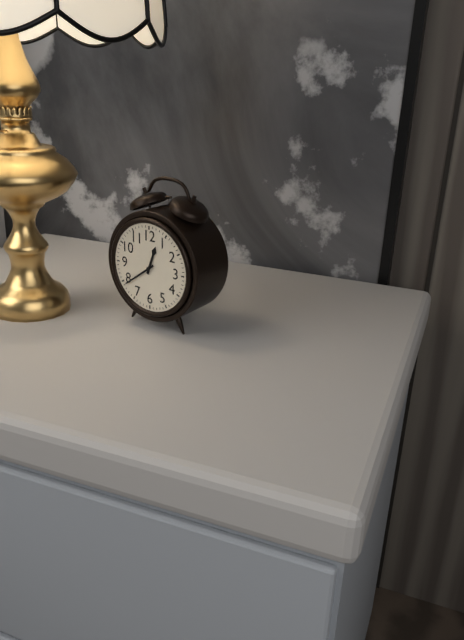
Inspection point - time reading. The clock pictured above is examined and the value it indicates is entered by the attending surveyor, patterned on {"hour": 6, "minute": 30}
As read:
{"hour": 12, "minute": 39}
